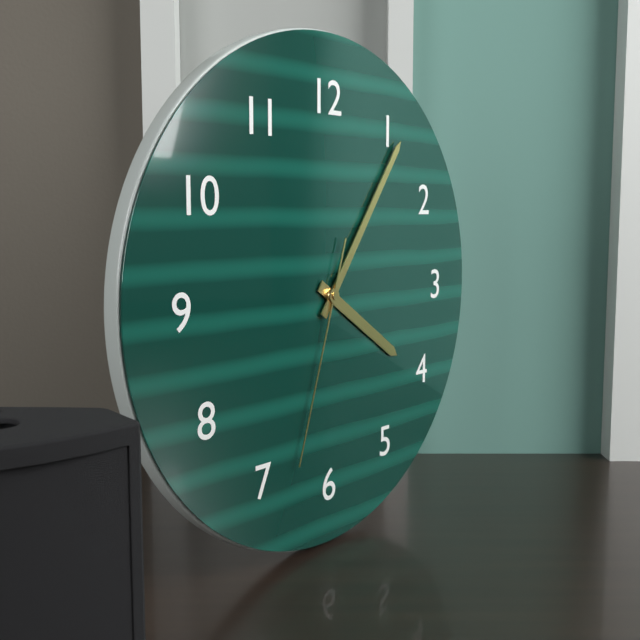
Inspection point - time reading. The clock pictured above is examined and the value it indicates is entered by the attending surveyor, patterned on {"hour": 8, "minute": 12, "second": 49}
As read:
{"hour": 4, "minute": 6, "second": 33}
